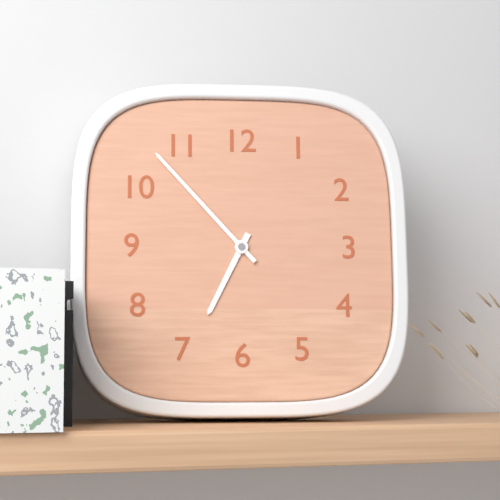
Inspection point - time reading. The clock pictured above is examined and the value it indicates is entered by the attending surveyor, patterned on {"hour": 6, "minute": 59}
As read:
{"hour": 6, "minute": 53}
